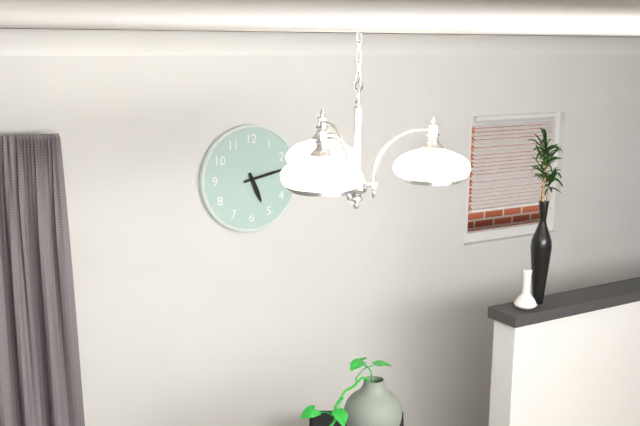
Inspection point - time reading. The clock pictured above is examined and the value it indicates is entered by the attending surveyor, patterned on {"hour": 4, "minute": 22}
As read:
{"hour": 5, "minute": 13}
